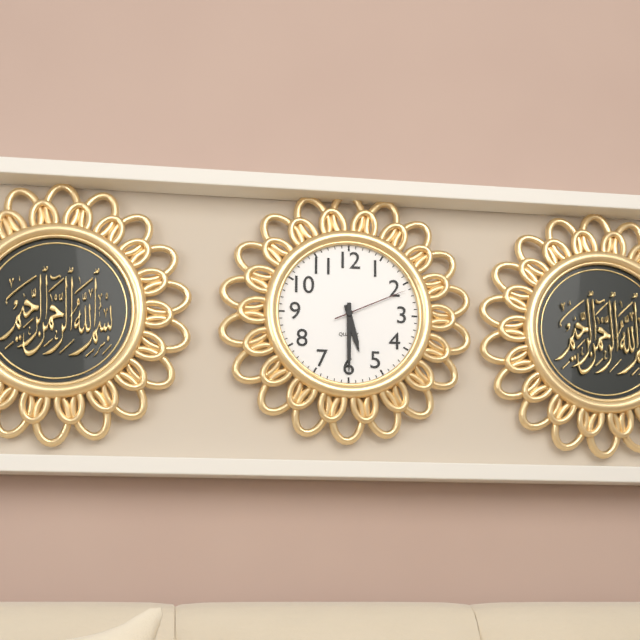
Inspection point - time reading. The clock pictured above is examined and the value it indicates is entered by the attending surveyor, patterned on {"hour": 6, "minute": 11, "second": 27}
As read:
{"hour": 5, "minute": 30, "second": 11}
